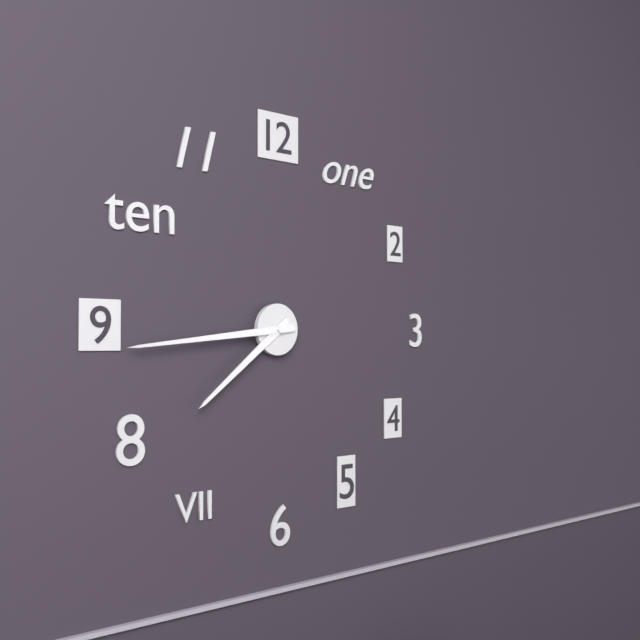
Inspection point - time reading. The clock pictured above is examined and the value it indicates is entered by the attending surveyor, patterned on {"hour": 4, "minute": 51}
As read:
{"hour": 7, "minute": 44}
